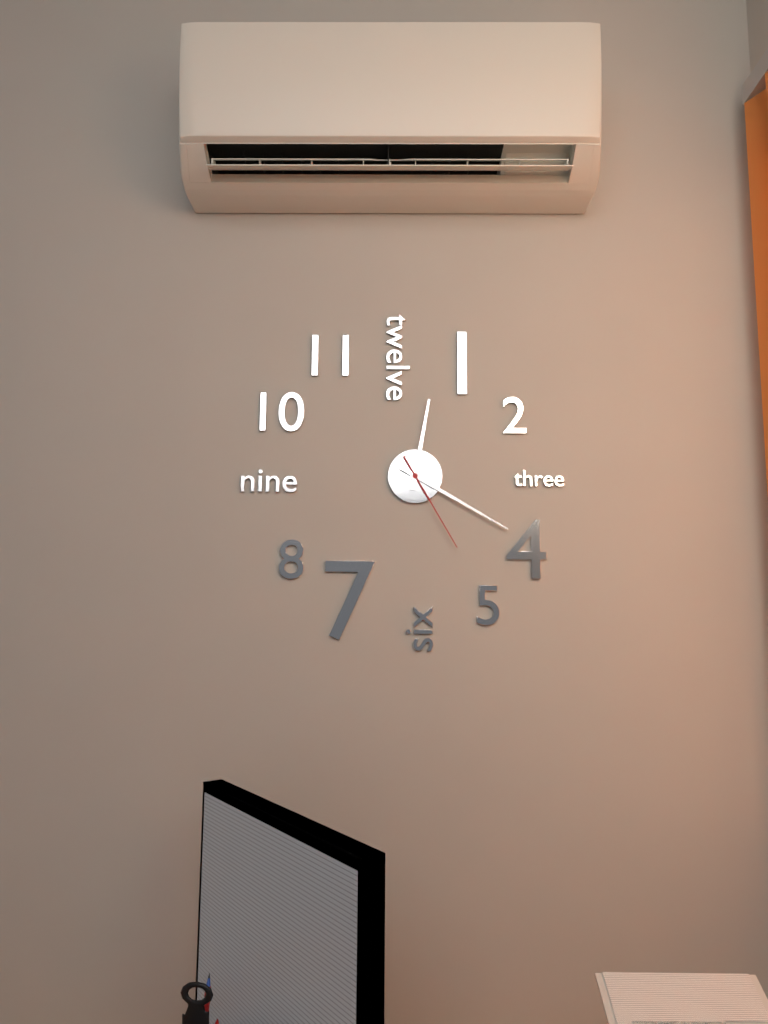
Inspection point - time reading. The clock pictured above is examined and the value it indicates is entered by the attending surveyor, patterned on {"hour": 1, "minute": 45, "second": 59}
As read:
{"hour": 12, "minute": 20, "second": 25}
